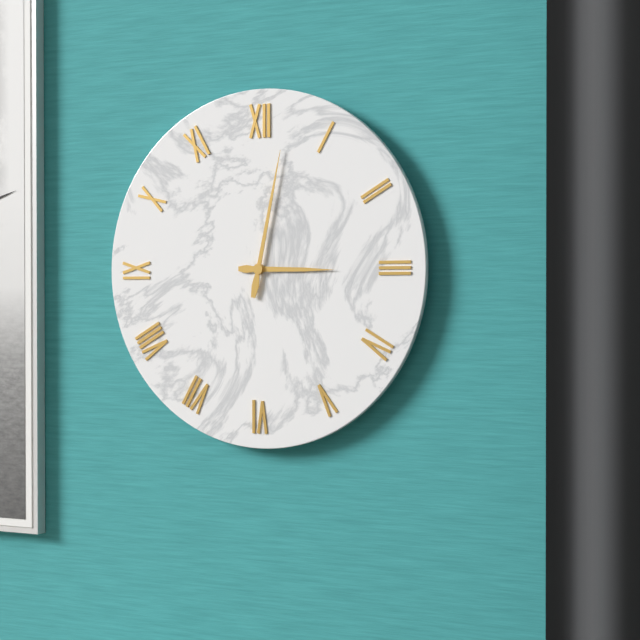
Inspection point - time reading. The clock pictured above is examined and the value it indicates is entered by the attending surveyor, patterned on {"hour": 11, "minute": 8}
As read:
{"hour": 3, "minute": 2}
